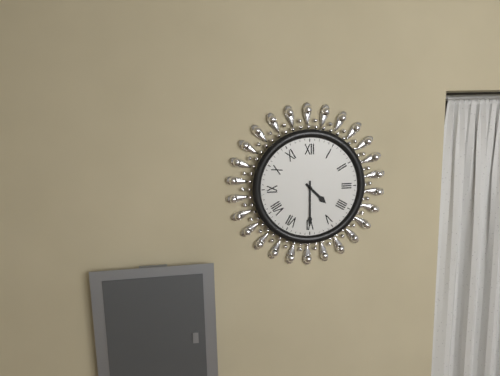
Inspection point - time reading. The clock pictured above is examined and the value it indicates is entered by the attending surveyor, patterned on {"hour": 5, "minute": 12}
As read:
{"hour": 4, "minute": 30}
